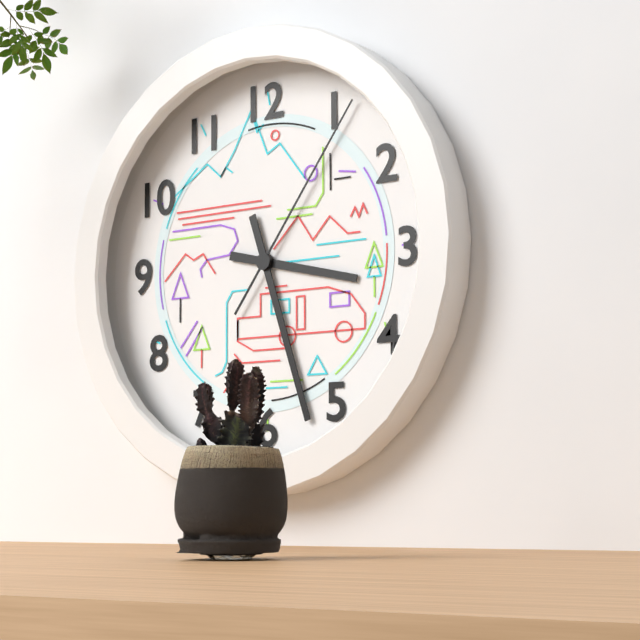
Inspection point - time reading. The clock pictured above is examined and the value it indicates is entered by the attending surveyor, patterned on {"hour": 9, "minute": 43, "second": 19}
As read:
{"hour": 3, "minute": 27, "second": 6}
